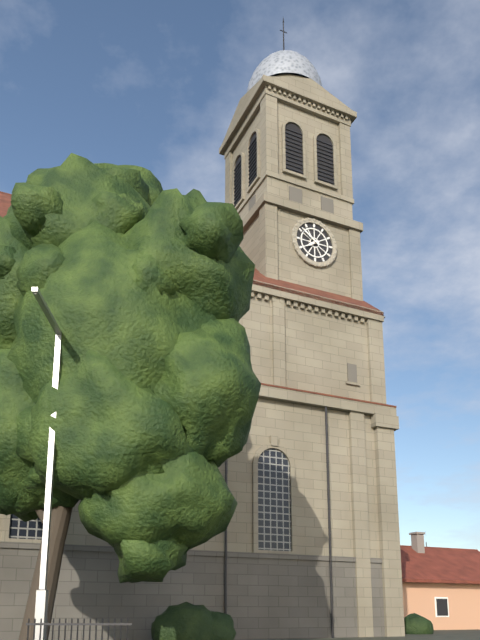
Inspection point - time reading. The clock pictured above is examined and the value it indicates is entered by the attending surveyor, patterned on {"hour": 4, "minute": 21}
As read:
{"hour": 7, "minute": 51}
